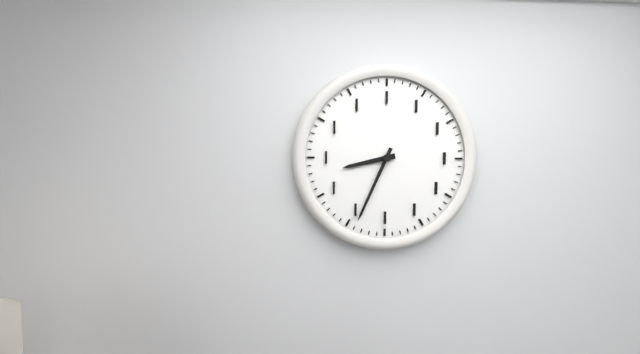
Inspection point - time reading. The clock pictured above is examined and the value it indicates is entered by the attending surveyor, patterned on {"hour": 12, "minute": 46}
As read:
{"hour": 8, "minute": 34}
